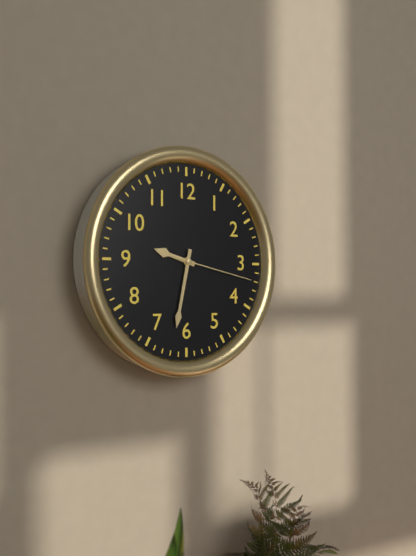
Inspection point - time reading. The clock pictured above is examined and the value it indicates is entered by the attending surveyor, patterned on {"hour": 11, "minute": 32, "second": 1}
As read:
{"hour": 9, "minute": 32, "second": 17}
